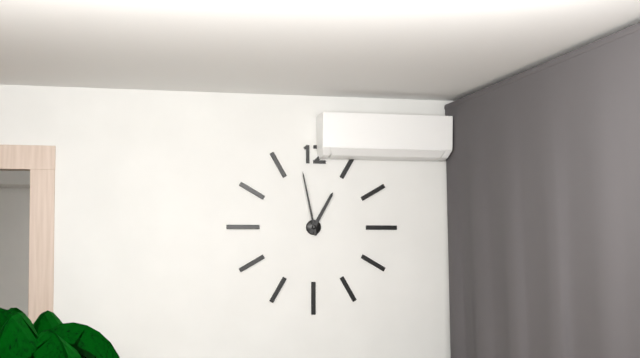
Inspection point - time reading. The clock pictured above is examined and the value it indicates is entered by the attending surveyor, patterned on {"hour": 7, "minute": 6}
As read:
{"hour": 12, "minute": 58}
